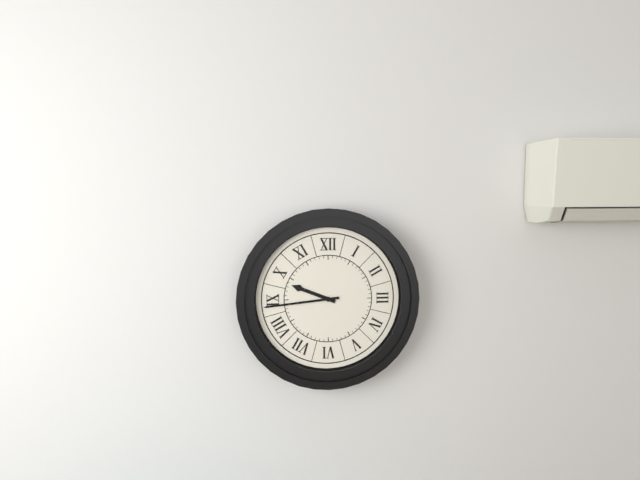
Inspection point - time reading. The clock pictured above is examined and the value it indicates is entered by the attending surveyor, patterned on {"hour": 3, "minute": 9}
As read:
{"hour": 9, "minute": 44}
